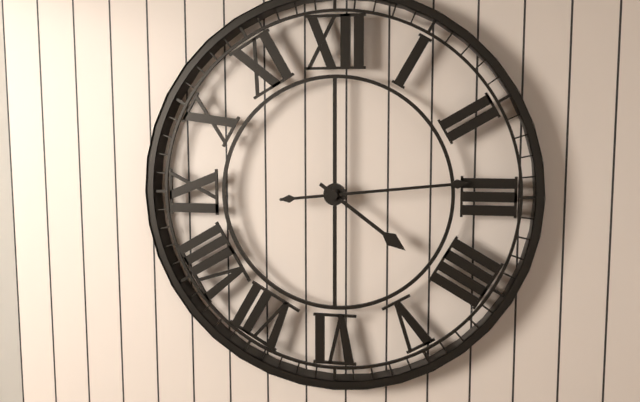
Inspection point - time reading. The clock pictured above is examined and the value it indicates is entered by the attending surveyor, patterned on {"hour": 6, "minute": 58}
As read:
{"hour": 4, "minute": 14}
